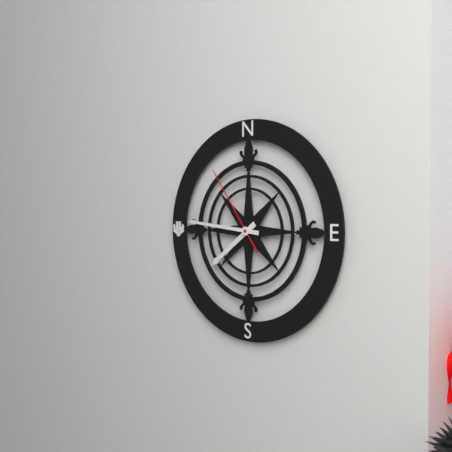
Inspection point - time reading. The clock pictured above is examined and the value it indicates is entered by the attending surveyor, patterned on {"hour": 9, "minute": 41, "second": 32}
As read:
{"hour": 7, "minute": 46, "second": 54}
